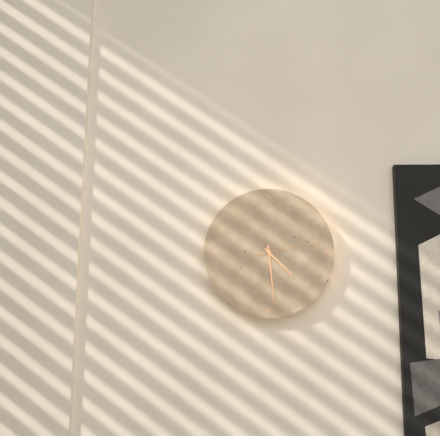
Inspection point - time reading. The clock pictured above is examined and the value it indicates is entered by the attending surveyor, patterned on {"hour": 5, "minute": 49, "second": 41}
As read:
{"hour": 4, "minute": 29, "second": 13}
